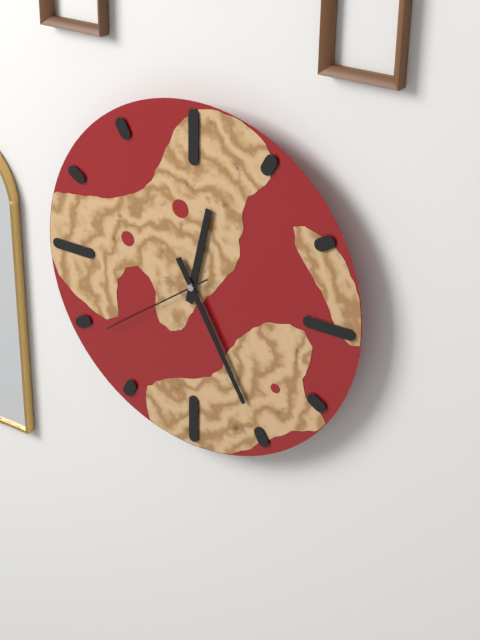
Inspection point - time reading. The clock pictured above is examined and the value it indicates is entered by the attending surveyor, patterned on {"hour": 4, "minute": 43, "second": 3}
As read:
{"hour": 12, "minute": 25, "second": 39}
